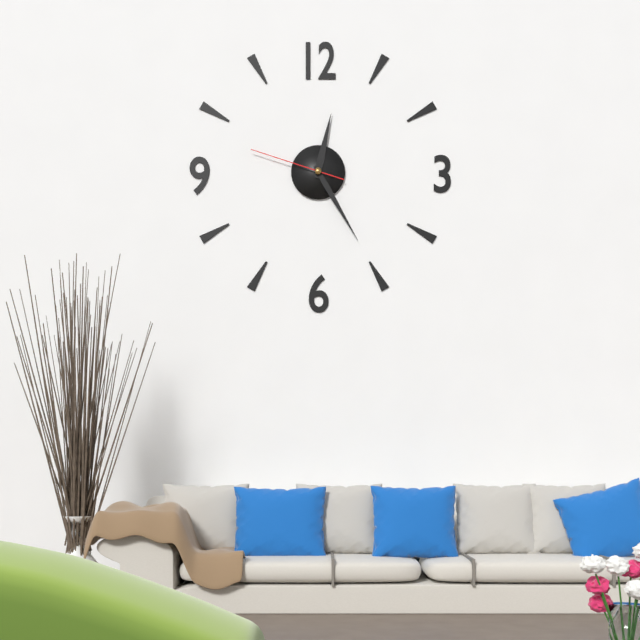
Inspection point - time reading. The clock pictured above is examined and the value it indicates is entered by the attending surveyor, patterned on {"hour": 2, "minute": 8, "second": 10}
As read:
{"hour": 12, "minute": 25, "second": 48}
